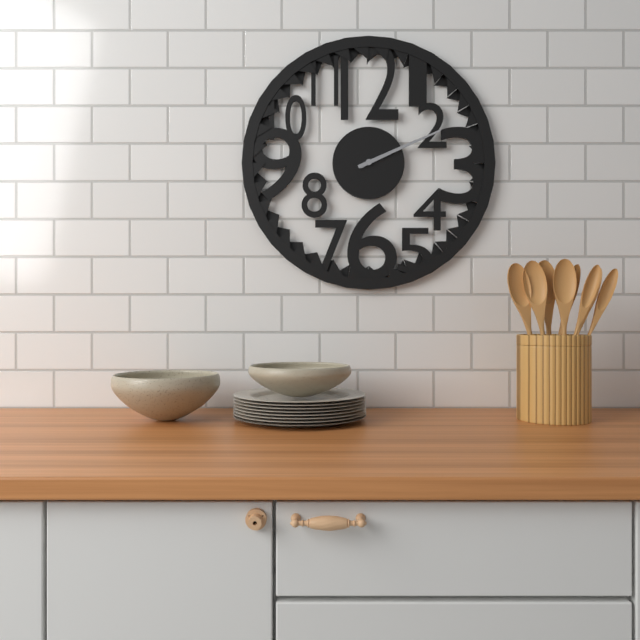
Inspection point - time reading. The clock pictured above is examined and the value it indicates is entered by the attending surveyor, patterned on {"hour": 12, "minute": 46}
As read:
{"hour": 2, "minute": 11}
